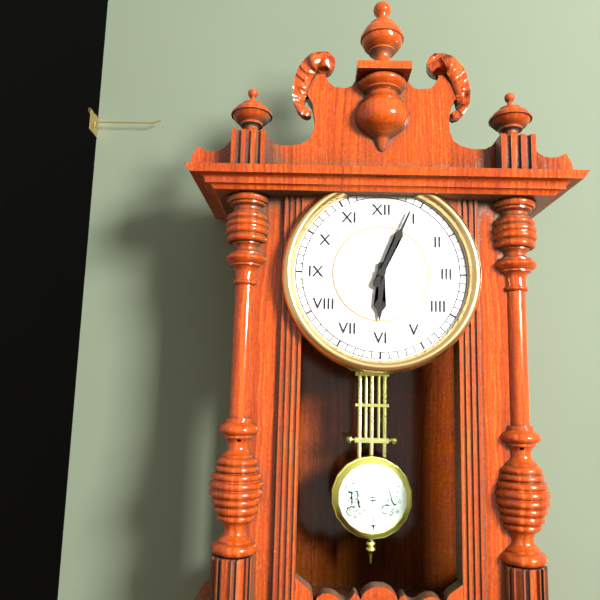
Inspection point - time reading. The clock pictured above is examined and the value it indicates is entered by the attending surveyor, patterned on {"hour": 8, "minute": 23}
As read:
{"hour": 6, "minute": 4}
